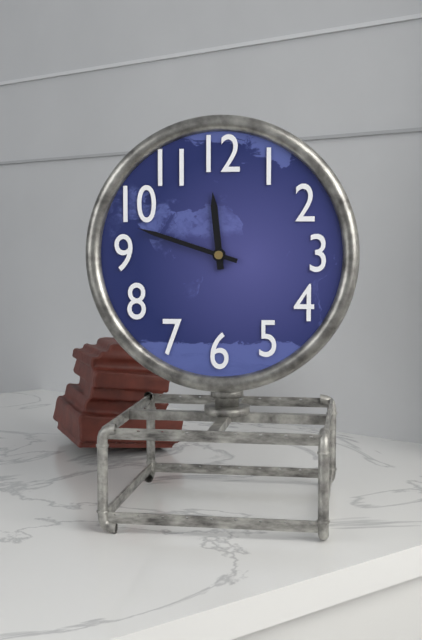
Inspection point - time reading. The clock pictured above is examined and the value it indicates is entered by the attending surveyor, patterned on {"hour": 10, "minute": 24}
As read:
{"hour": 11, "minute": 48}
